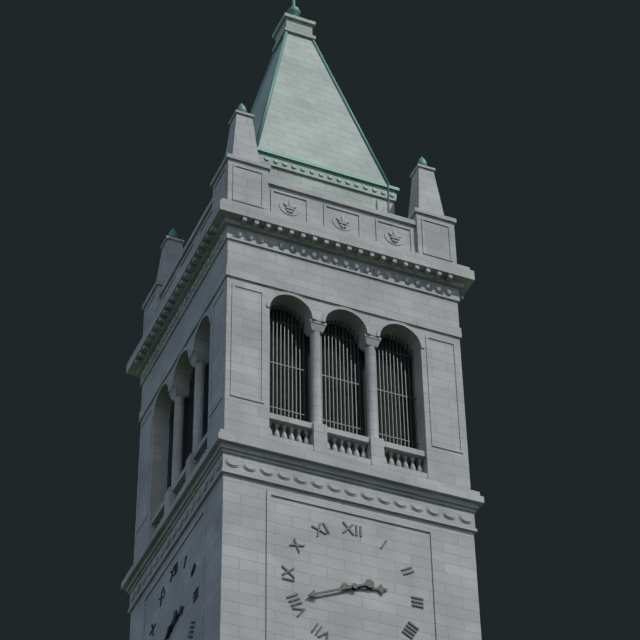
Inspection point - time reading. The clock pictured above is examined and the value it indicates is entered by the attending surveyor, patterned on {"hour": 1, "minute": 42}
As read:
{"hour": 2, "minute": 41}
